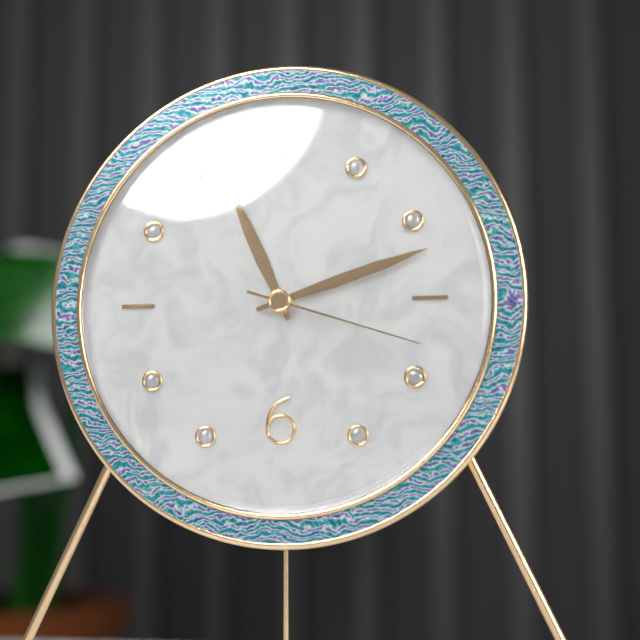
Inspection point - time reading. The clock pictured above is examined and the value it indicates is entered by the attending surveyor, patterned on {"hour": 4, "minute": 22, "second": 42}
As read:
{"hour": 11, "minute": 12, "second": 18}
